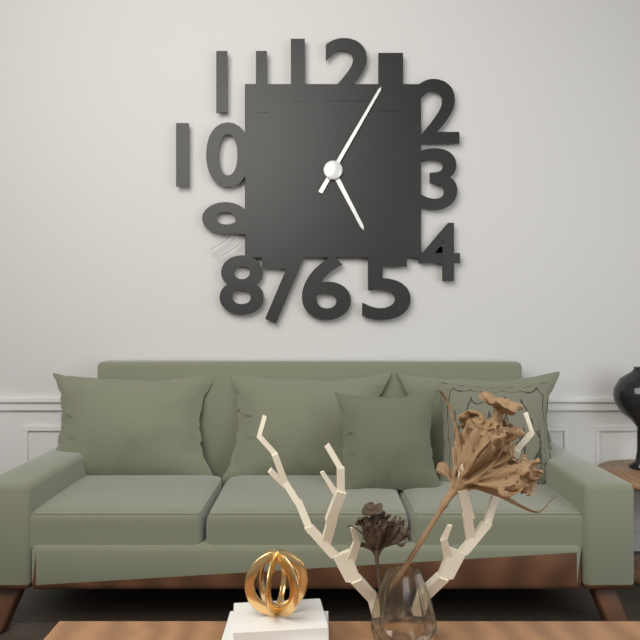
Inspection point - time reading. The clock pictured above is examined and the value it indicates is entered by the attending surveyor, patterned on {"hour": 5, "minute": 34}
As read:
{"hour": 5, "minute": 5}
